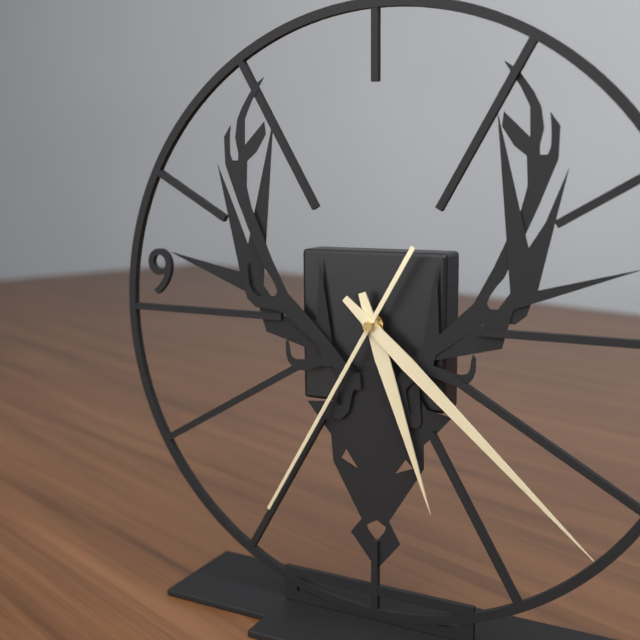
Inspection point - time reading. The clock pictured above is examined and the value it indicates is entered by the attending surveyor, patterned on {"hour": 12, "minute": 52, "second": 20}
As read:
{"hour": 5, "minute": 22, "second": 35}
